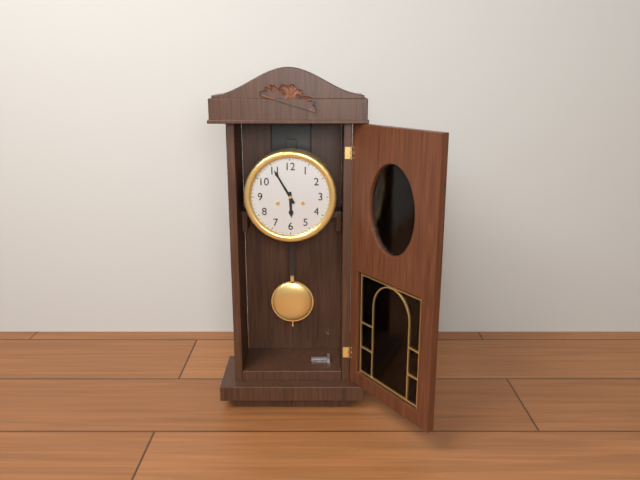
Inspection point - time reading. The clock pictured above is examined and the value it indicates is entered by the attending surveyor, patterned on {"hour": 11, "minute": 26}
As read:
{"hour": 5, "minute": 55}
